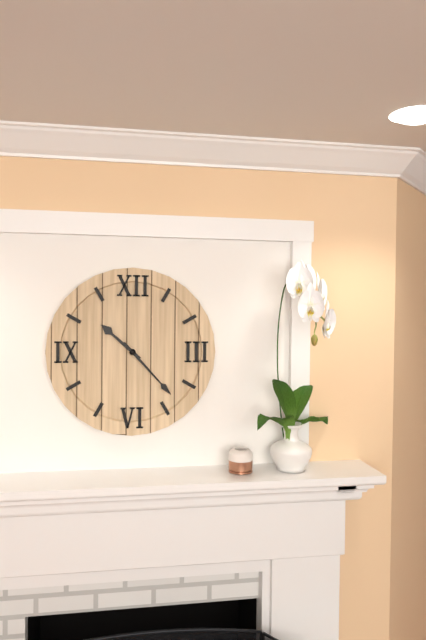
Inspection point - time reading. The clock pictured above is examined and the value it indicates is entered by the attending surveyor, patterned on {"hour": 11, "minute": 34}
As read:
{"hour": 10, "minute": 23}
